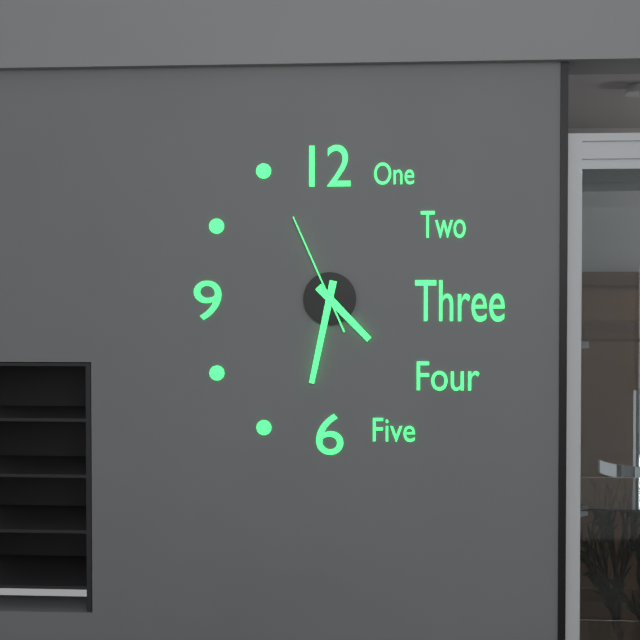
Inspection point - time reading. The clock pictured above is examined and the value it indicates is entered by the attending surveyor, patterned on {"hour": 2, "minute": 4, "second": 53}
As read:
{"hour": 4, "minute": 32, "second": 56}
